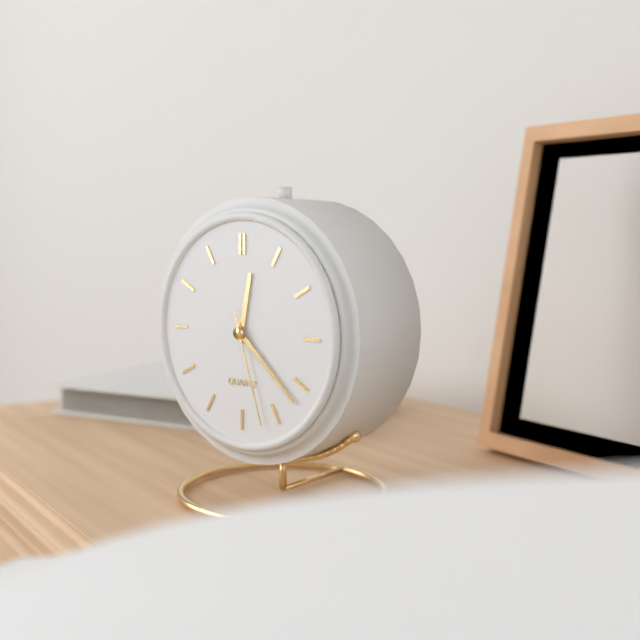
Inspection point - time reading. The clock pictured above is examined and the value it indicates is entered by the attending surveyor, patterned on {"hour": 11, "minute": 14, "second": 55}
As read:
{"hour": 12, "minute": 22, "second": 27}
